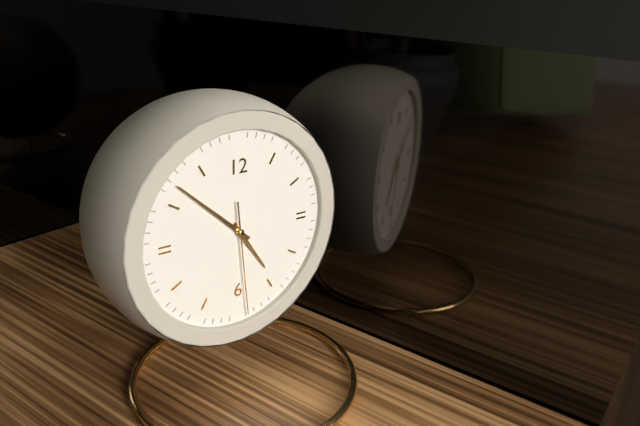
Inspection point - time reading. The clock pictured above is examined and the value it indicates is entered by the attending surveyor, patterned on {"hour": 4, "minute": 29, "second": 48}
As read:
{"hour": 4, "minute": 52, "second": 29}
